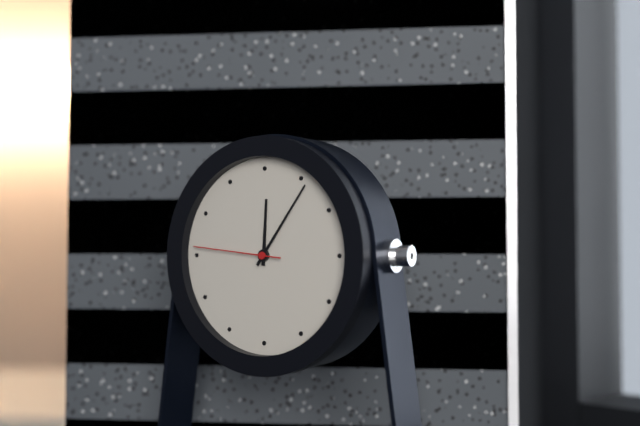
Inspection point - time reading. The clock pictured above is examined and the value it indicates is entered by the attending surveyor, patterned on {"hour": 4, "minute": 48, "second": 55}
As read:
{"hour": 12, "minute": 6, "second": 46}
